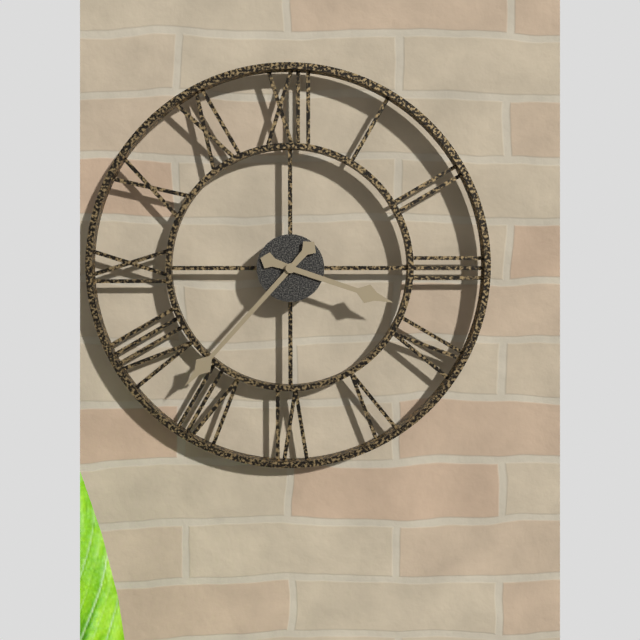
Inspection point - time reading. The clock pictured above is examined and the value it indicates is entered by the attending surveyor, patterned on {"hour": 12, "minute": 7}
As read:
{"hour": 3, "minute": 37}
